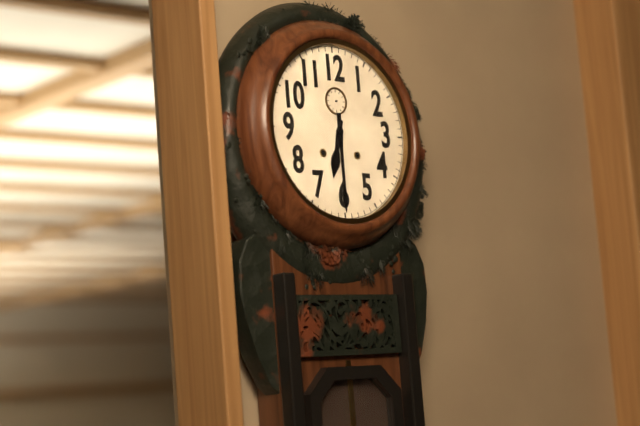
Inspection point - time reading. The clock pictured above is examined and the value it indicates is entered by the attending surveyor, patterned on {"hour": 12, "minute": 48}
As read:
{"hour": 6, "minute": 30}
